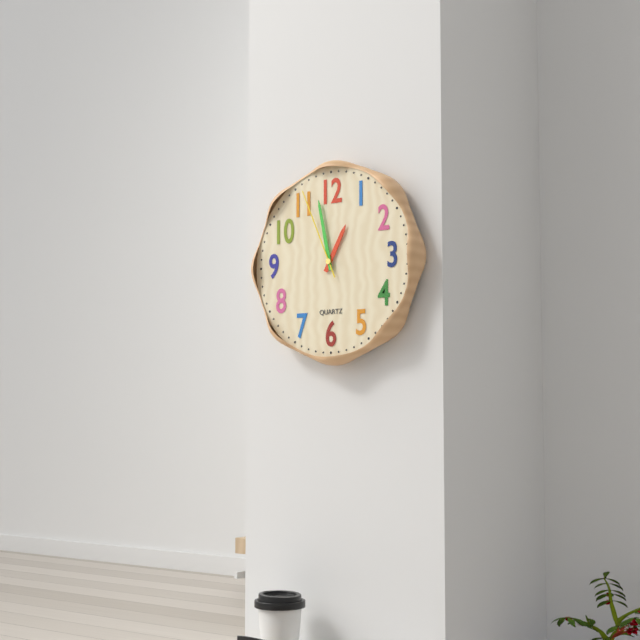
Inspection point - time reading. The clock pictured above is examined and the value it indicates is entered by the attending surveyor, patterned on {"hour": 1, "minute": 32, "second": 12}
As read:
{"hour": 12, "minute": 58, "second": 56}
